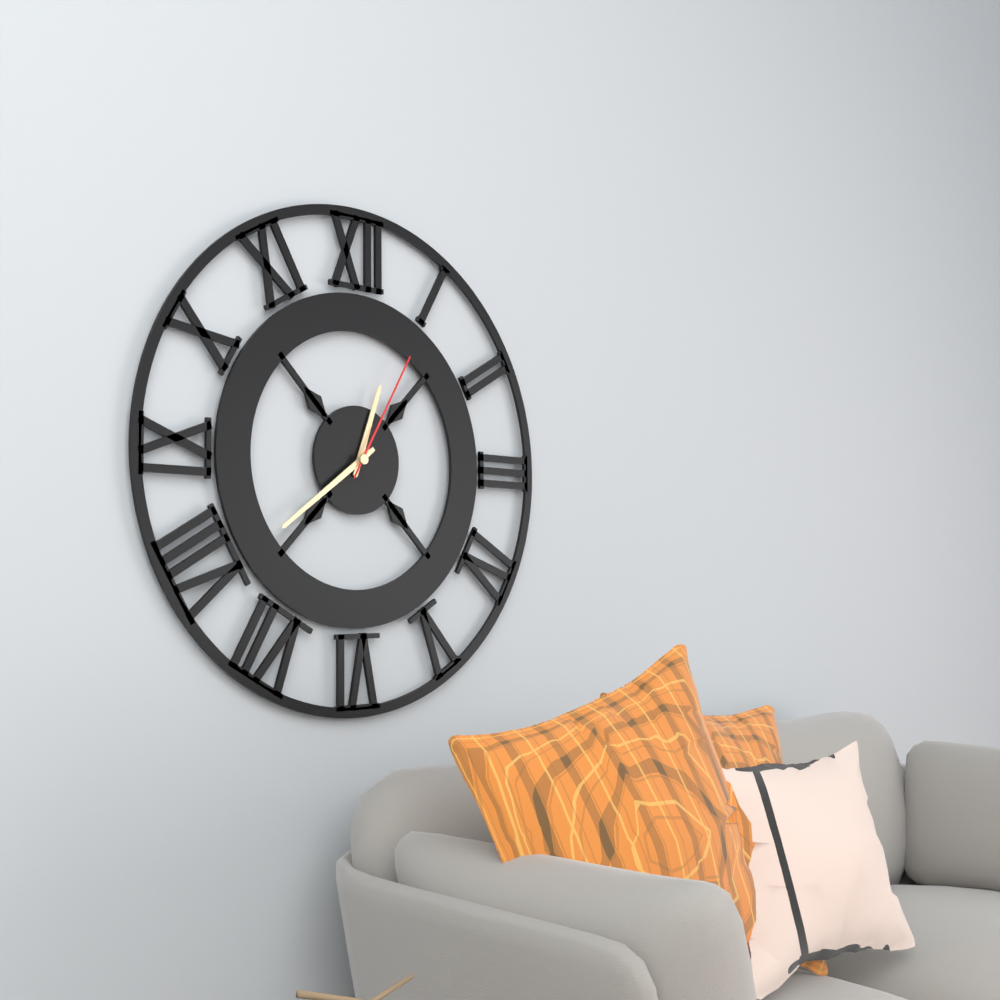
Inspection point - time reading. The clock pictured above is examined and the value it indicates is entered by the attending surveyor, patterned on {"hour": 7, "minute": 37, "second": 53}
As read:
{"hour": 12, "minute": 39, "second": 5}
